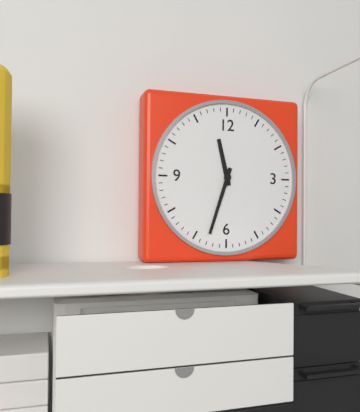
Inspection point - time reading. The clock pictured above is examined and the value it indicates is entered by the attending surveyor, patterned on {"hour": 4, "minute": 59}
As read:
{"hour": 11, "minute": 33}
